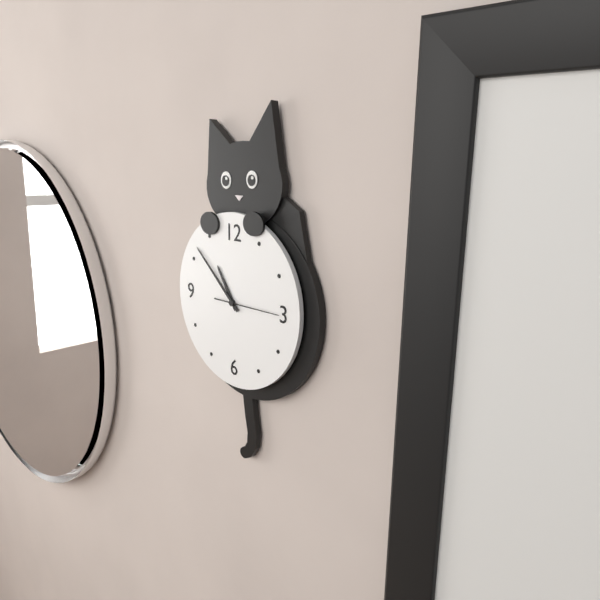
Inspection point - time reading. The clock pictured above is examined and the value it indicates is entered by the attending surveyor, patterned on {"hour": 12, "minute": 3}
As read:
{"hour": 10, "minute": 52}
